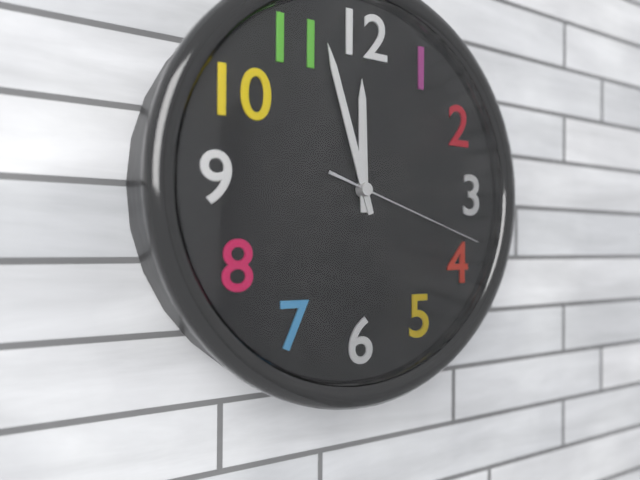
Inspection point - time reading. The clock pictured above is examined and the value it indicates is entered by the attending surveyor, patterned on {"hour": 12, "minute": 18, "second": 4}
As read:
{"hour": 11, "minute": 57, "second": 18}
